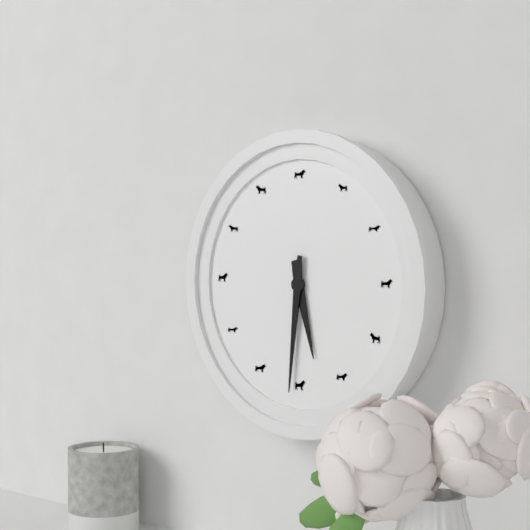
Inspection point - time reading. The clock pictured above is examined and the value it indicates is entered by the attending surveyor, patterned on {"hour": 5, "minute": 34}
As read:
{"hour": 5, "minute": 31}
